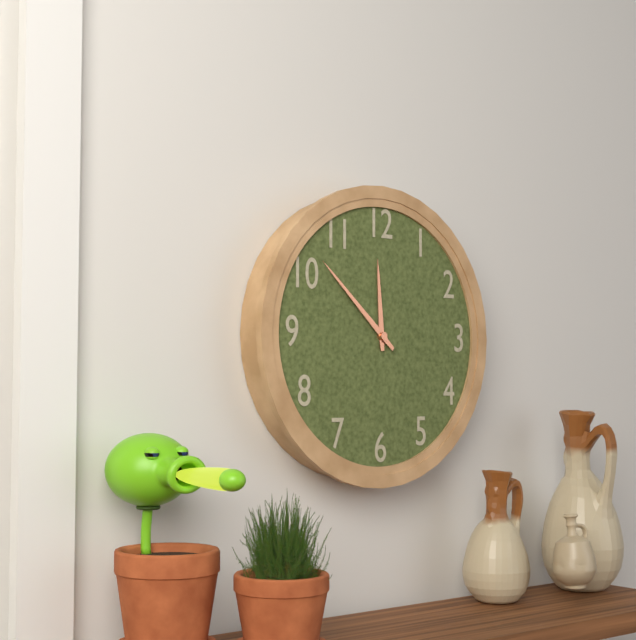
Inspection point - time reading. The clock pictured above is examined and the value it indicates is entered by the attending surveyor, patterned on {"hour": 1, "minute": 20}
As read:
{"hour": 11, "minute": 52}
